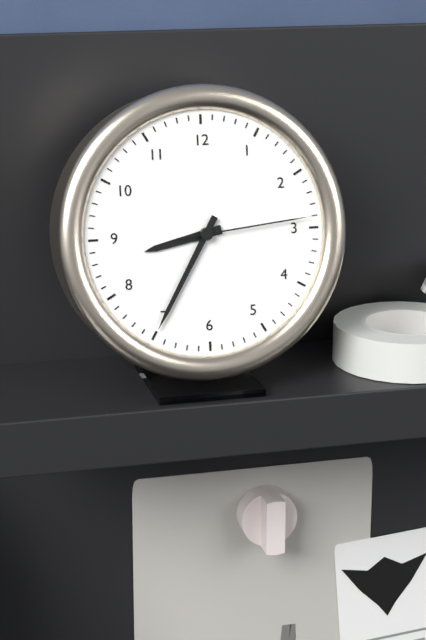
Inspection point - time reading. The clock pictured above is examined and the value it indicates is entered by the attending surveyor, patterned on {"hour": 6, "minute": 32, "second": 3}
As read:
{"hour": 8, "minute": 35, "second": 14}
